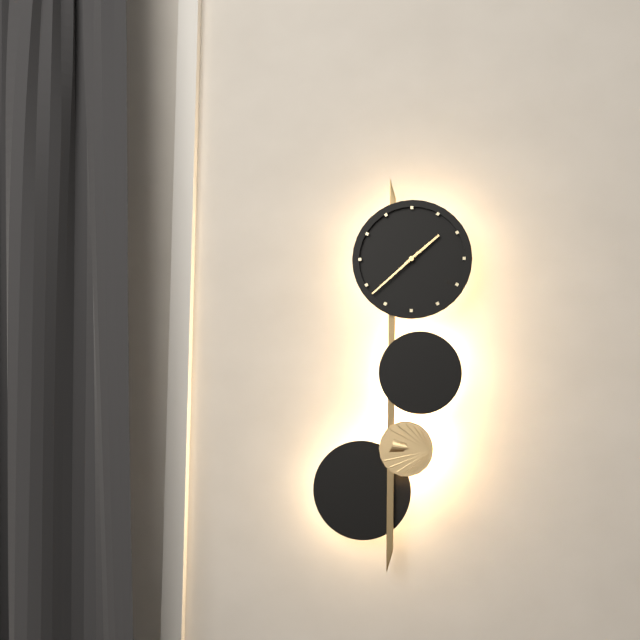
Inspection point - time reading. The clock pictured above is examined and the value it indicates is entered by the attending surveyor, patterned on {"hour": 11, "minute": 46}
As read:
{"hour": 1, "minute": 38}
